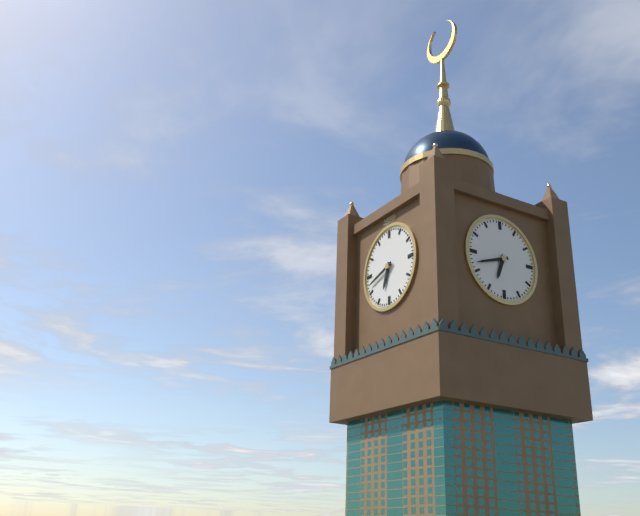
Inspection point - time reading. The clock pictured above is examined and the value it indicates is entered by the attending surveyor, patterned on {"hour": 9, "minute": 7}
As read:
{"hour": 6, "minute": 42}
